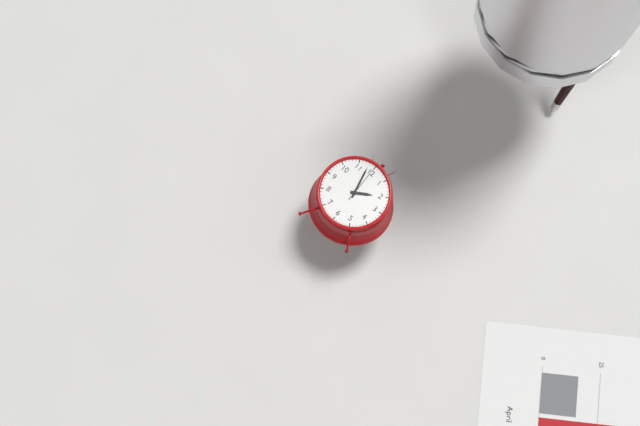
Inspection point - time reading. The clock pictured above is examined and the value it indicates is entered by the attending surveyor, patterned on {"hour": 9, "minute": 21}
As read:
{"hour": 1, "minute": 58}
